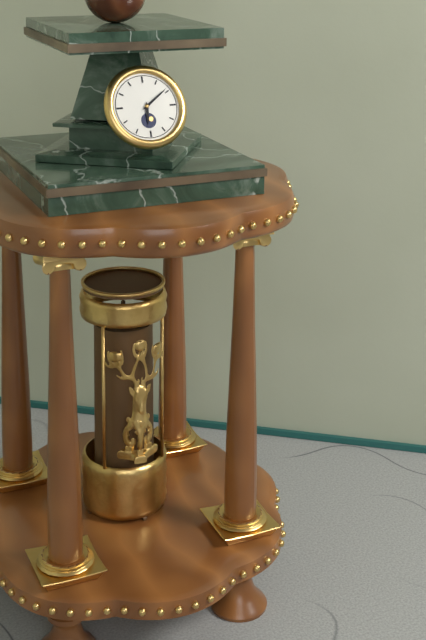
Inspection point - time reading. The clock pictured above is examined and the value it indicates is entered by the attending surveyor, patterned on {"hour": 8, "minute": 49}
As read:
{"hour": 6, "minute": 9}
